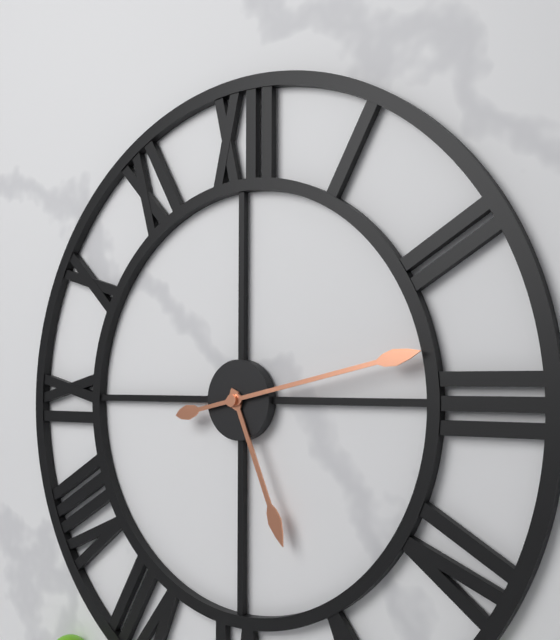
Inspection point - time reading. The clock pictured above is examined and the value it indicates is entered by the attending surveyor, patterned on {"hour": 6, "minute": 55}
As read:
{"hour": 5, "minute": 13}
